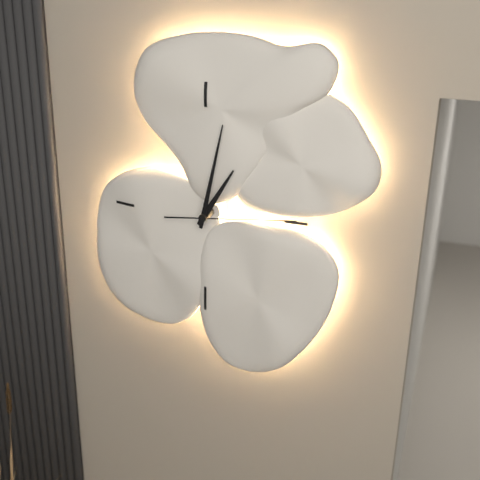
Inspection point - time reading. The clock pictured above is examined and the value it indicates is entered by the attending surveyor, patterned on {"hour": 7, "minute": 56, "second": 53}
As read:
{"hour": 1, "minute": 2, "second": 14}
